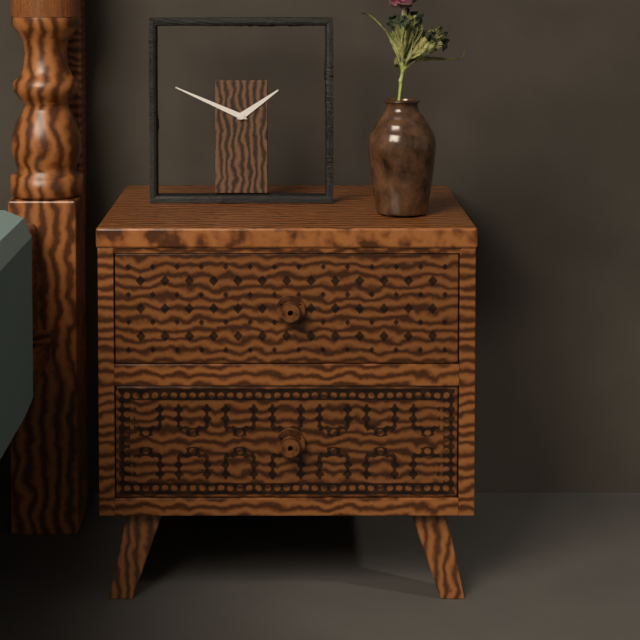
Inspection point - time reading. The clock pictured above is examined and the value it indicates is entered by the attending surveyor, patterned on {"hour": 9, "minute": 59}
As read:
{"hour": 1, "minute": 49}
